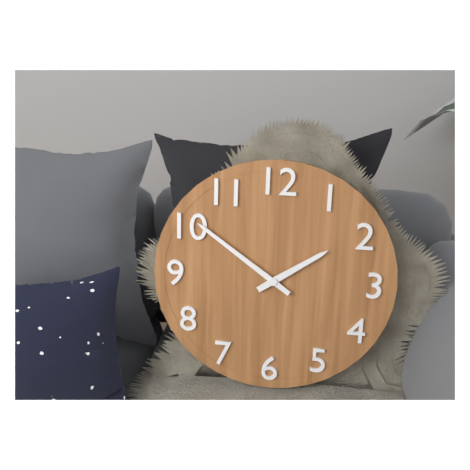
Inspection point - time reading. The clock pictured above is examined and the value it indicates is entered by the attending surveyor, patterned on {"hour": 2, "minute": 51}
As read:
{"hour": 1, "minute": 51}
